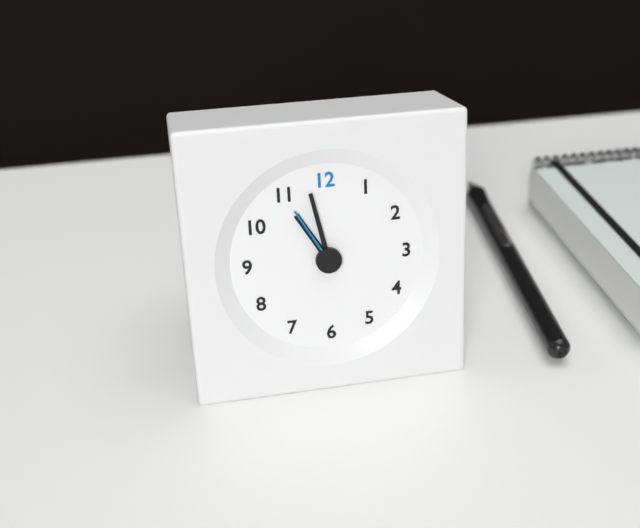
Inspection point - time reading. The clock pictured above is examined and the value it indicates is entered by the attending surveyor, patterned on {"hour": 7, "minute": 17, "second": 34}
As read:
{"hour": 10, "minute": 58, "second": 55}
